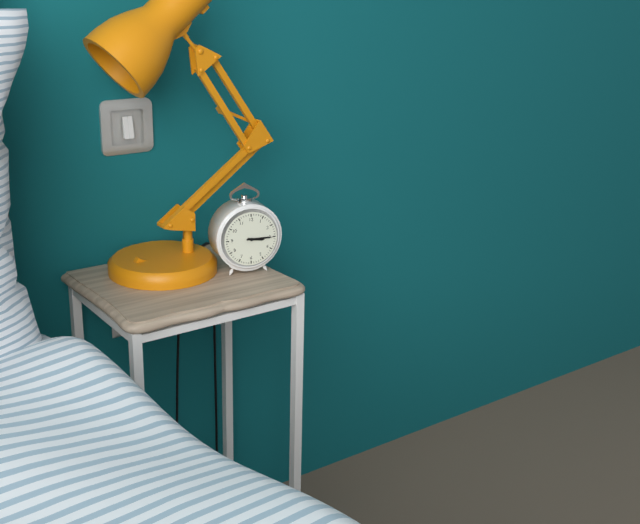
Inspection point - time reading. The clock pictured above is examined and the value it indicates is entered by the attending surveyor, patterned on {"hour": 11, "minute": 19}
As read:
{"hour": 3, "minute": 15}
